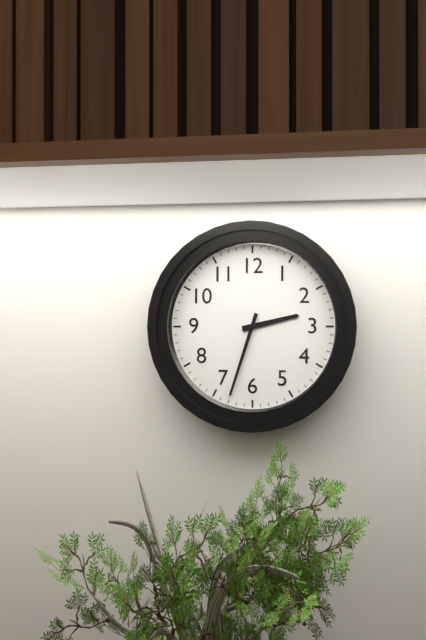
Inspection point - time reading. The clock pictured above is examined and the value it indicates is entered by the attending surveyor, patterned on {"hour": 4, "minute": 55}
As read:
{"hour": 2, "minute": 33}
